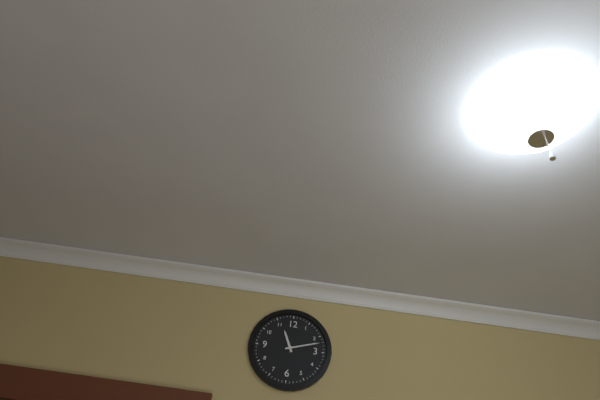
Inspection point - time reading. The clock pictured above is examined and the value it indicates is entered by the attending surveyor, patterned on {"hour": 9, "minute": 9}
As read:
{"hour": 11, "minute": 12}
